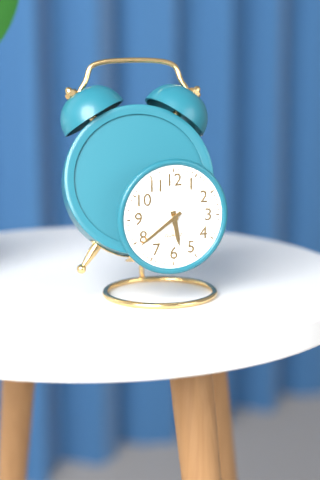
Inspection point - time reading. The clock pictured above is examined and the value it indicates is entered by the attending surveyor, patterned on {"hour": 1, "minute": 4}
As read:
{"hour": 5, "minute": 39}
